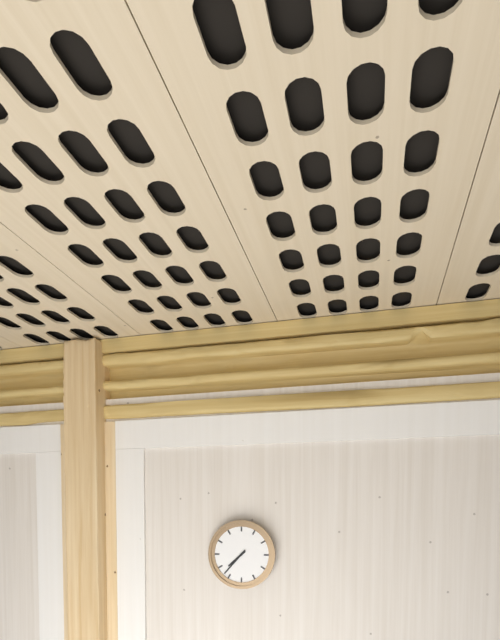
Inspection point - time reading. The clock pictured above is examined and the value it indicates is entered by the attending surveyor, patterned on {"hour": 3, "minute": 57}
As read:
{"hour": 7, "minute": 37}
